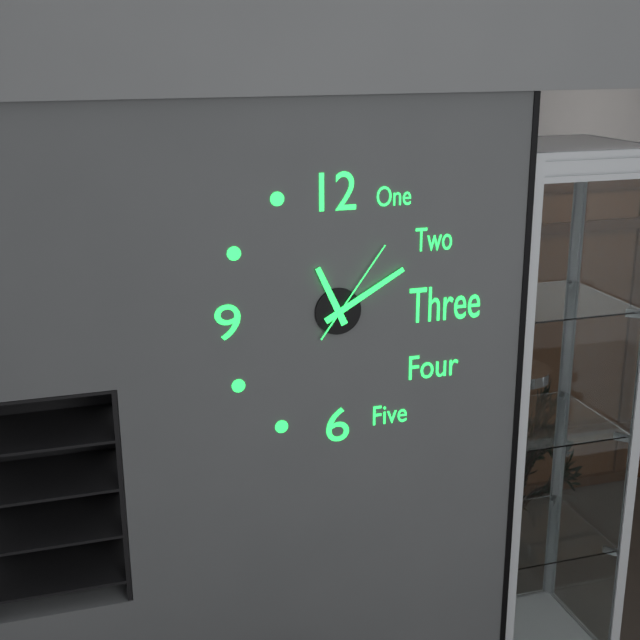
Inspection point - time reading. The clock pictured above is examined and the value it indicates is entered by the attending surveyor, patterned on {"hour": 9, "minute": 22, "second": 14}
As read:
{"hour": 11, "minute": 10, "second": 6}
